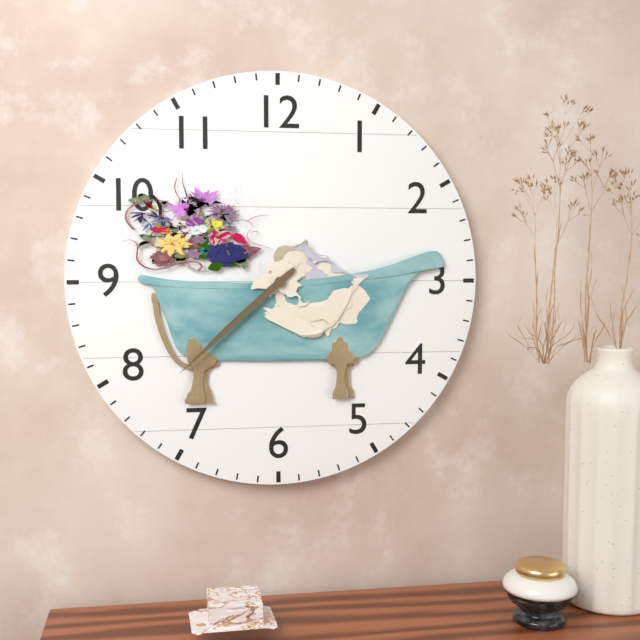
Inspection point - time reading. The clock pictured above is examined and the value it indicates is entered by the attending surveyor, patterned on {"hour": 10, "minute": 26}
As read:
{"hour": 7, "minute": 38}
